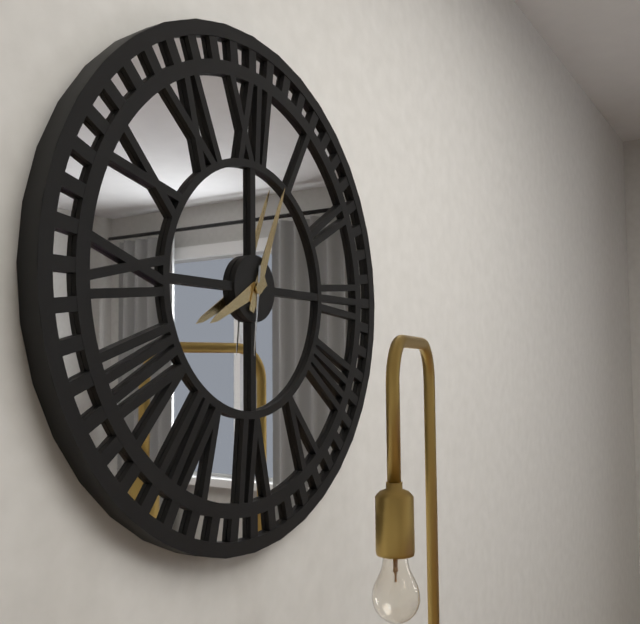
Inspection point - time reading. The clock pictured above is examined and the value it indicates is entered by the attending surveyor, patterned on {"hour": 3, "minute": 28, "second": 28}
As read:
{"hour": 8, "minute": 4, "second": 31}
